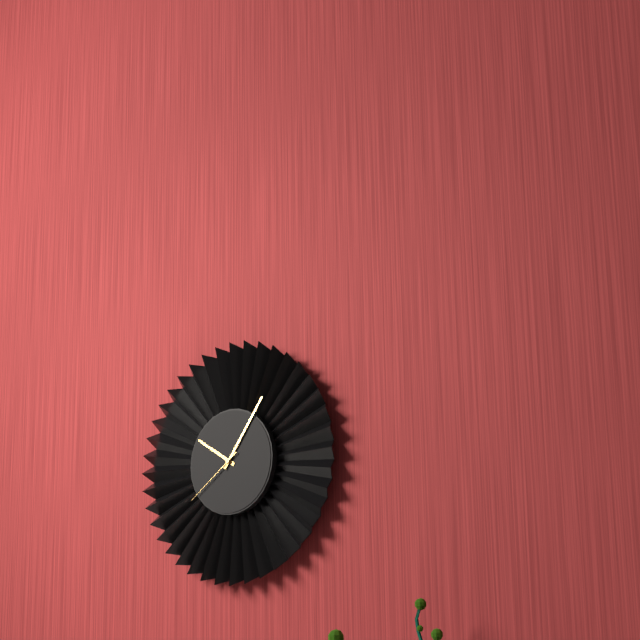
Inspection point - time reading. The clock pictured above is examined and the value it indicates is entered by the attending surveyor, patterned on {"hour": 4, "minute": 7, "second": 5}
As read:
{"hour": 10, "minute": 6, "second": 39}
